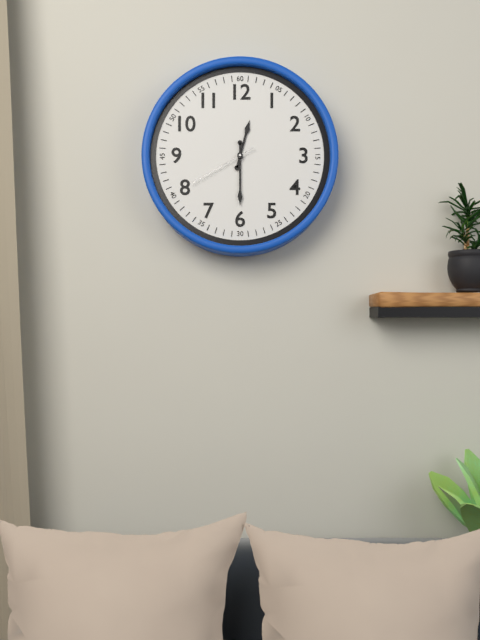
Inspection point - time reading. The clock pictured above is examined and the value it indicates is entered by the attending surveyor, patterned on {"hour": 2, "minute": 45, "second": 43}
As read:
{"hour": 12, "minute": 30, "second": 40}
